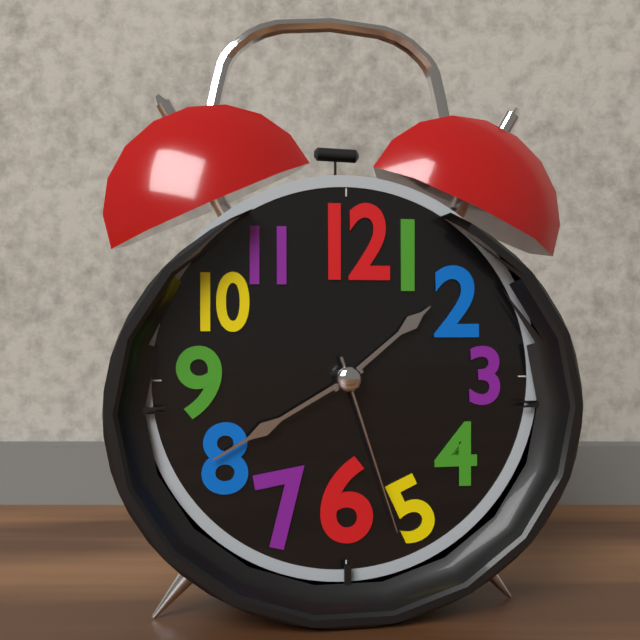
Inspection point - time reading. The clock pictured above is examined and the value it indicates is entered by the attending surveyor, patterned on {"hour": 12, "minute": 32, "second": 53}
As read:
{"hour": 1, "minute": 40, "second": 27}
